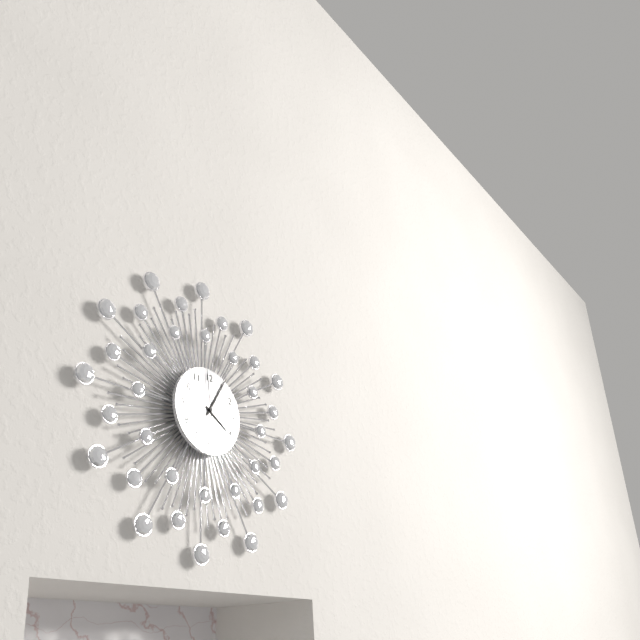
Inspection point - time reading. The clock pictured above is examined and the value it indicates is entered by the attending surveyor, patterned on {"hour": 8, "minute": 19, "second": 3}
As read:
{"hour": 4, "minute": 5, "second": 59}
